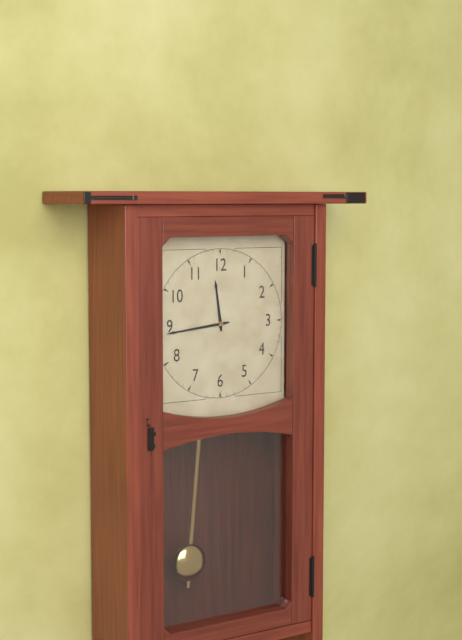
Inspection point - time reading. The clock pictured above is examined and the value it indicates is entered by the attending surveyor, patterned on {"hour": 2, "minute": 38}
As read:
{"hour": 11, "minute": 44}
